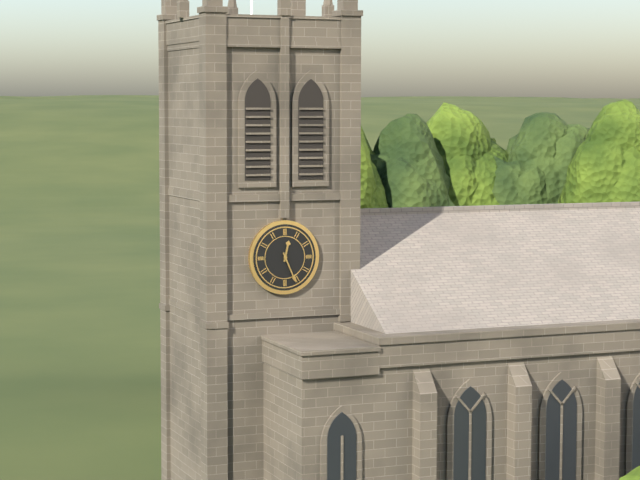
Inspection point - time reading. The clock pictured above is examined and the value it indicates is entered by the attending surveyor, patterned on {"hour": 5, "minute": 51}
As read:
{"hour": 12, "minute": 26}
